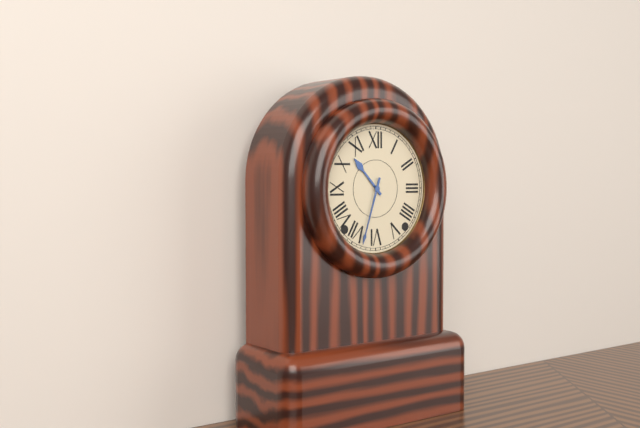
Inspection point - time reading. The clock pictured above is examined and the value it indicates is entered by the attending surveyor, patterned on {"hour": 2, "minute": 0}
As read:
{"hour": 10, "minute": 33}
